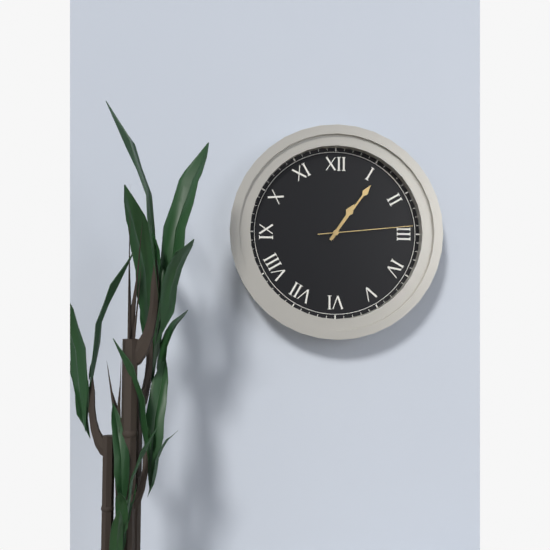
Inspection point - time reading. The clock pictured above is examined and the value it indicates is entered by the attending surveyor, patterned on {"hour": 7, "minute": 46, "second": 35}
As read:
{"hour": 1, "minute": 6, "second": 14}
